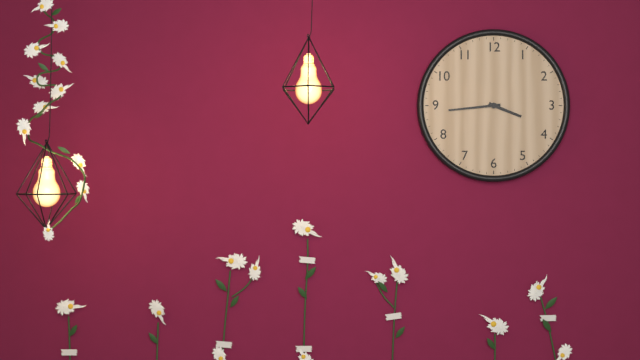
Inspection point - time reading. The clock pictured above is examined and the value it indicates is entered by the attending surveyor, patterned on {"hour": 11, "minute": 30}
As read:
{"hour": 3, "minute": 44}
